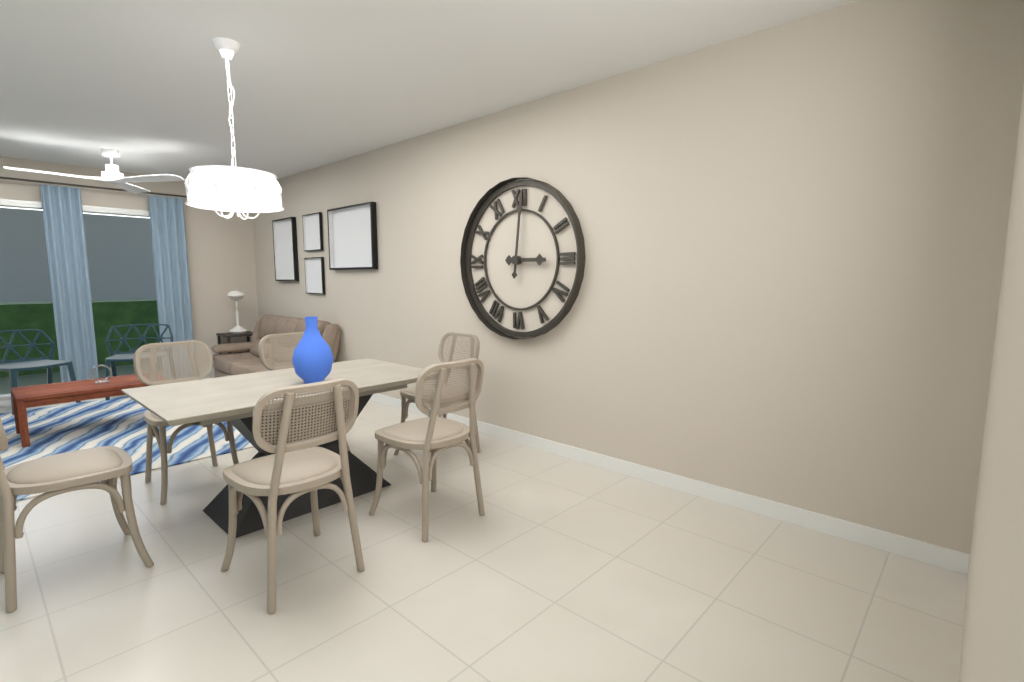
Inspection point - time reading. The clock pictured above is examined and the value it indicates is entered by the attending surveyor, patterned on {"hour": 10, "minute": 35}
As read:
{"hour": 3, "minute": 1}
